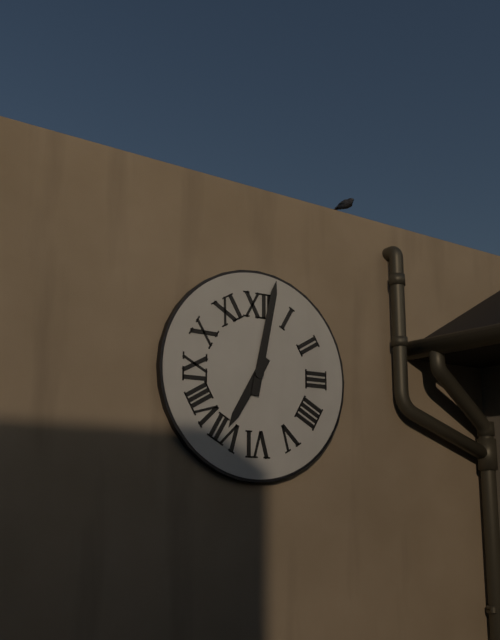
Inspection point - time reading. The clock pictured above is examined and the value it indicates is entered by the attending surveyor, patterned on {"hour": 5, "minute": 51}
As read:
{"hour": 7, "minute": 2}
